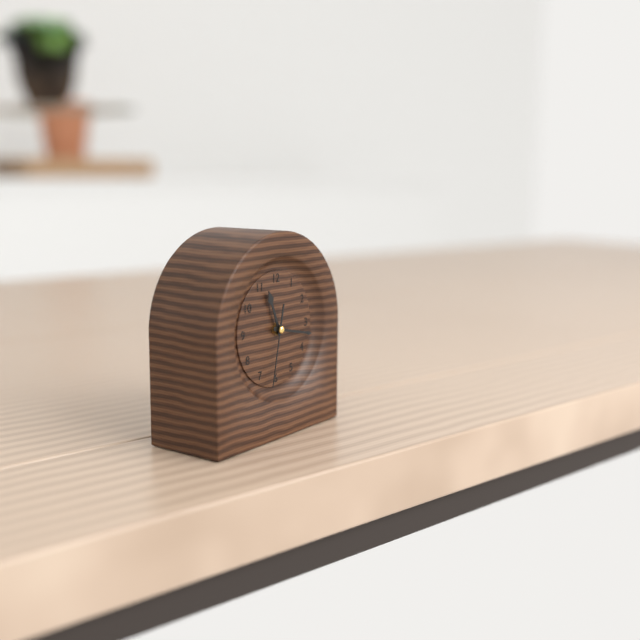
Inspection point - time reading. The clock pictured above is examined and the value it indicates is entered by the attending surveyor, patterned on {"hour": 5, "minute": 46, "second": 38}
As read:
{"hour": 11, "minute": 17, "second": 32}
